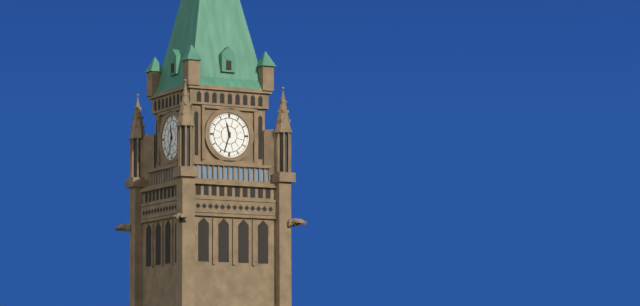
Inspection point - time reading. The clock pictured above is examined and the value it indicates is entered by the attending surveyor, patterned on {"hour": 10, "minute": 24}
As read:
{"hour": 11, "minute": 33}
